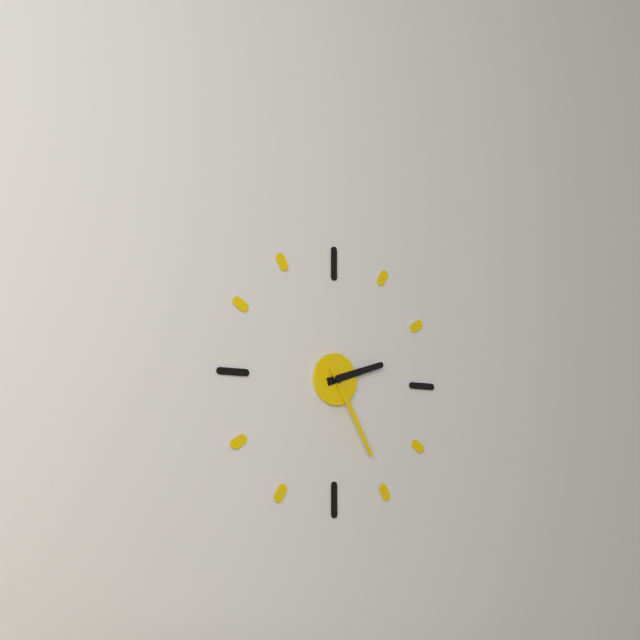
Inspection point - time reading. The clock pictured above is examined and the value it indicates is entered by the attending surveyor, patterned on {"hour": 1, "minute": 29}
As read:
{"hour": 2, "minute": 25}
